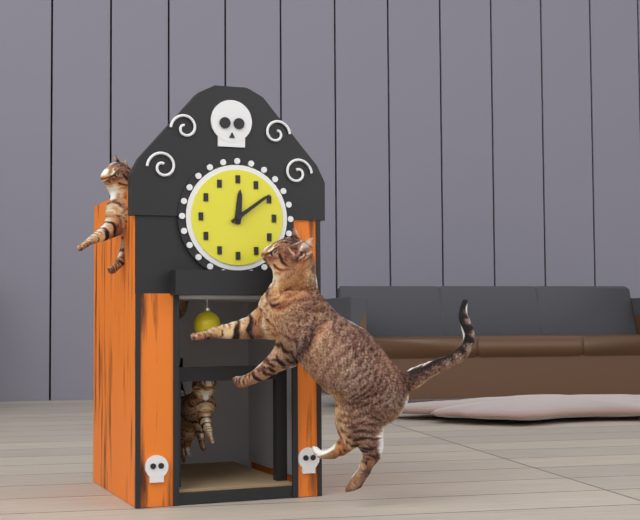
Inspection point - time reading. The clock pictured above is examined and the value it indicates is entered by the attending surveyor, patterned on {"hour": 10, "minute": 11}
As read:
{"hour": 12, "minute": 9}
